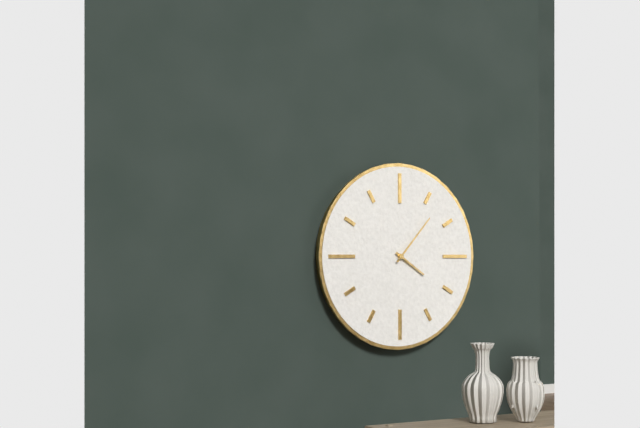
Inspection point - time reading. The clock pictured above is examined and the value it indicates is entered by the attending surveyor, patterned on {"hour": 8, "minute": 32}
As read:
{"hour": 4, "minute": 7}
